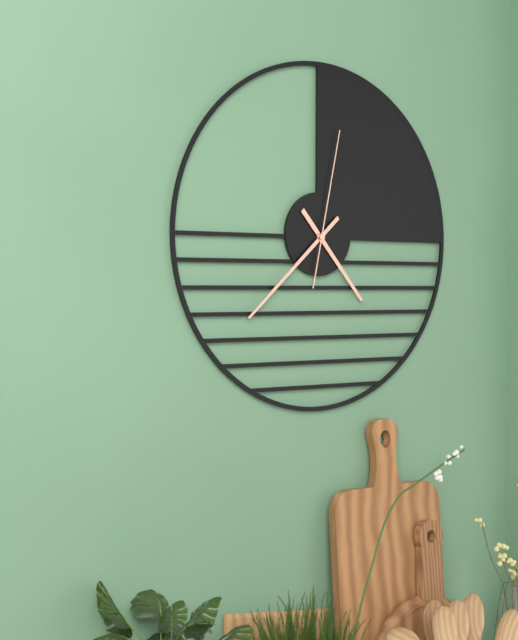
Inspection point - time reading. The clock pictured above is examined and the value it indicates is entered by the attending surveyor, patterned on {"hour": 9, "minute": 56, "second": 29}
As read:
{"hour": 4, "minute": 38, "second": 2}
